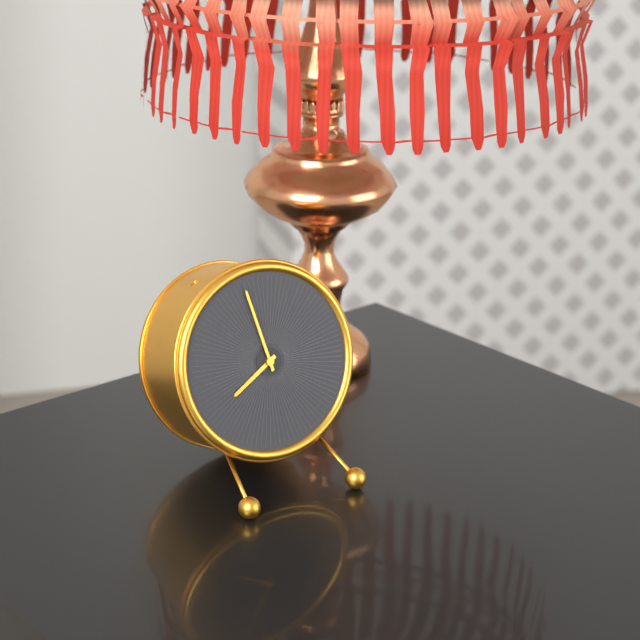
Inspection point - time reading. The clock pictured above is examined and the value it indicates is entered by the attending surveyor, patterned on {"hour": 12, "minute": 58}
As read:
{"hour": 7, "minute": 58}
